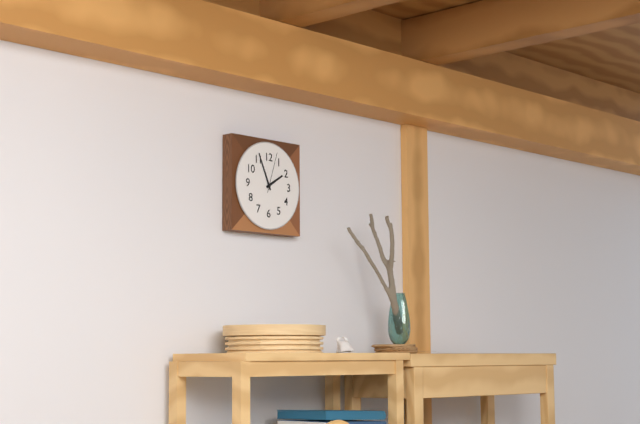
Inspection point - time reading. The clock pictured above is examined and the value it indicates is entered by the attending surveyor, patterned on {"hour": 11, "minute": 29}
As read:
{"hour": 1, "minute": 56}
